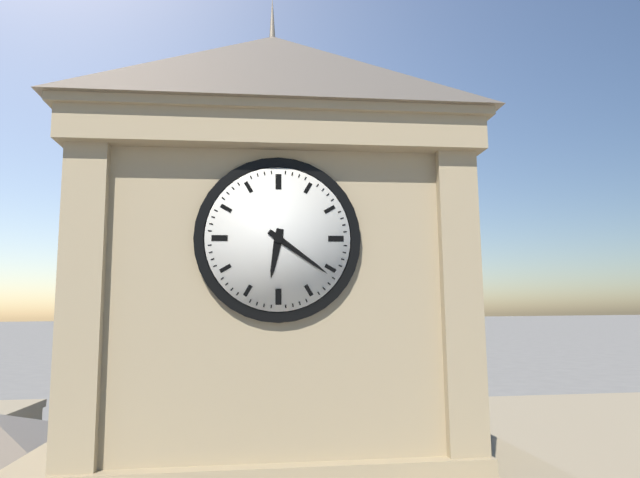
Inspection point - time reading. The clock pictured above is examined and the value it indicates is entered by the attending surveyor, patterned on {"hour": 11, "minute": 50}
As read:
{"hour": 6, "minute": 21}
